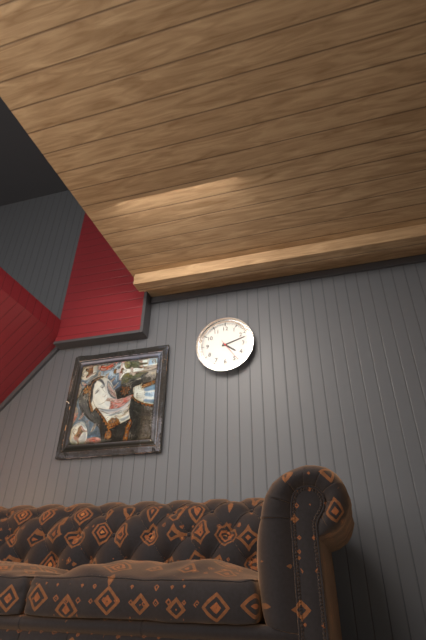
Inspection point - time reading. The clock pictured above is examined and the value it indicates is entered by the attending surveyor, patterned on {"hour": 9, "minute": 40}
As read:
{"hour": 4, "minute": 12}
